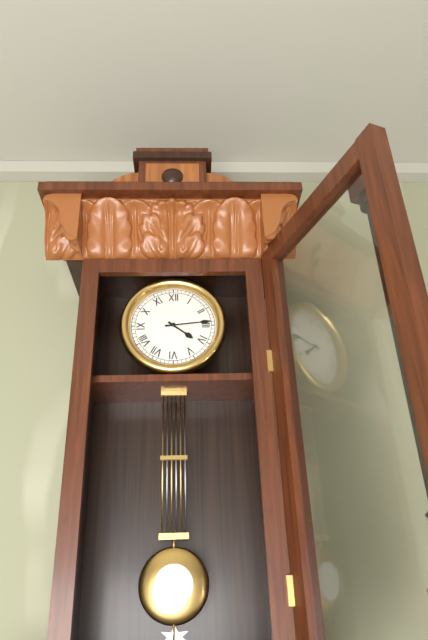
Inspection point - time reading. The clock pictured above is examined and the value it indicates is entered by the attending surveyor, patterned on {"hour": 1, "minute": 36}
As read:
{"hour": 4, "minute": 14}
